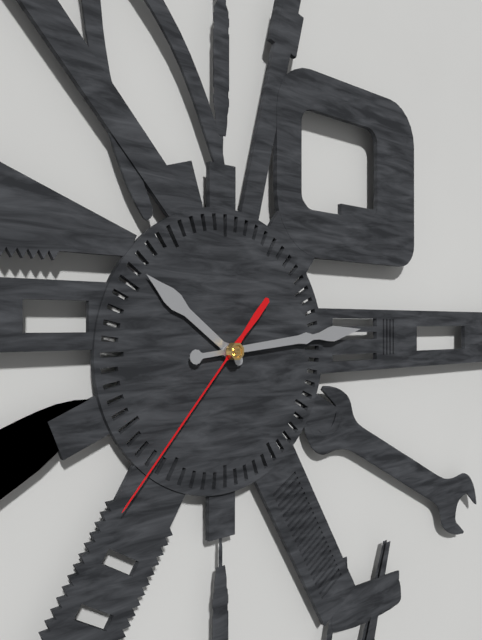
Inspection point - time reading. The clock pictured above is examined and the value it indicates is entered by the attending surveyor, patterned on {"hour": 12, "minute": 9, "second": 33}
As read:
{"hour": 10, "minute": 14, "second": 37}
